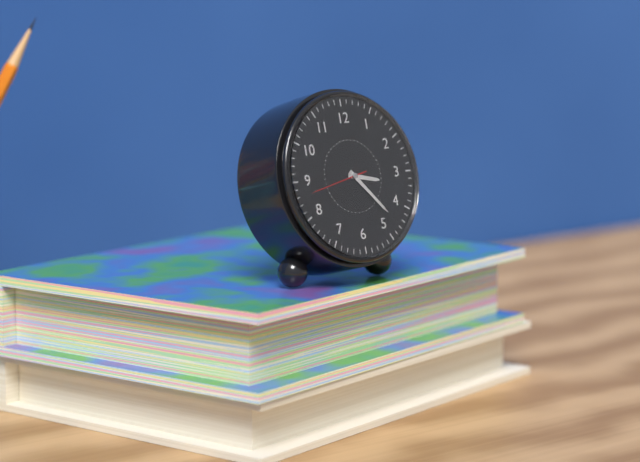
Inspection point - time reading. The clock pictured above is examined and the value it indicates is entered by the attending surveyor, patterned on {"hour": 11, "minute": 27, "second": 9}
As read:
{"hour": 3, "minute": 23, "second": 43}
